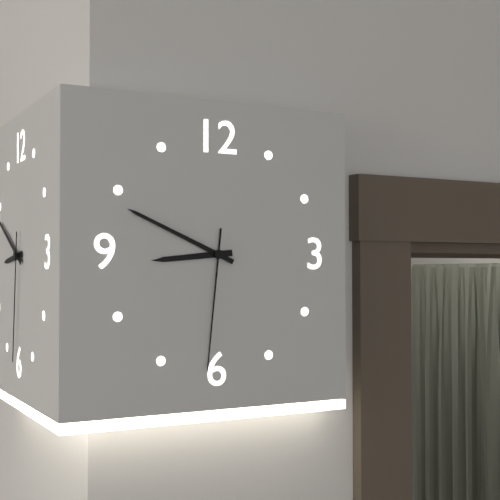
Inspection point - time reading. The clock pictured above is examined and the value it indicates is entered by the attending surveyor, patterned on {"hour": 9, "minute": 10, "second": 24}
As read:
{"hour": 8, "minute": 49, "second": 31}
